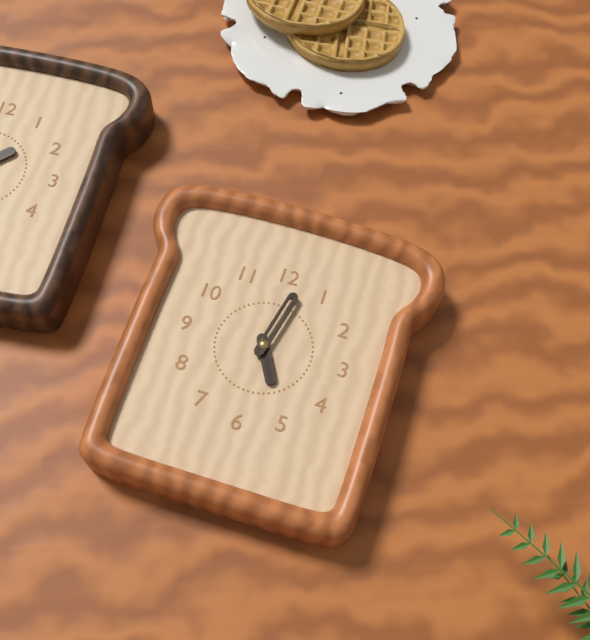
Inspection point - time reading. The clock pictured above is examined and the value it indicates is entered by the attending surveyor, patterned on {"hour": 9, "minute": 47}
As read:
{"hour": 5, "minute": 2}
